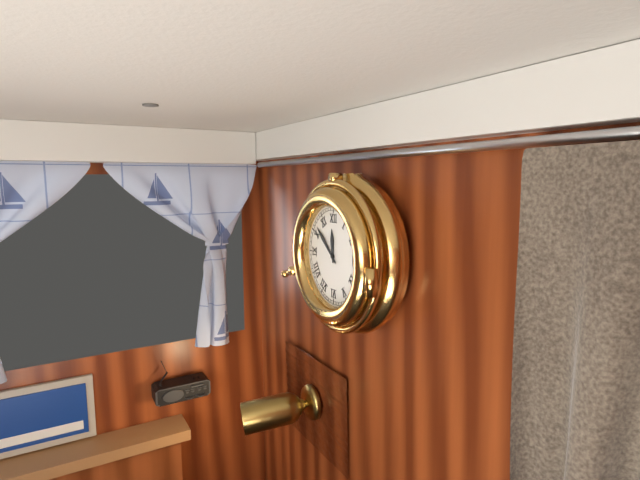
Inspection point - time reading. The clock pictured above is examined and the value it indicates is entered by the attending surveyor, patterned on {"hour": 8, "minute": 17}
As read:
{"hour": 11, "minute": 52}
